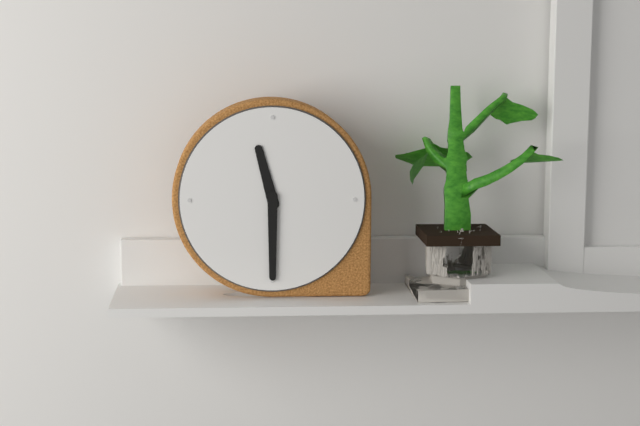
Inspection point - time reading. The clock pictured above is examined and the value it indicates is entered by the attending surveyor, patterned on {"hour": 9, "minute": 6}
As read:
{"hour": 11, "minute": 30}
